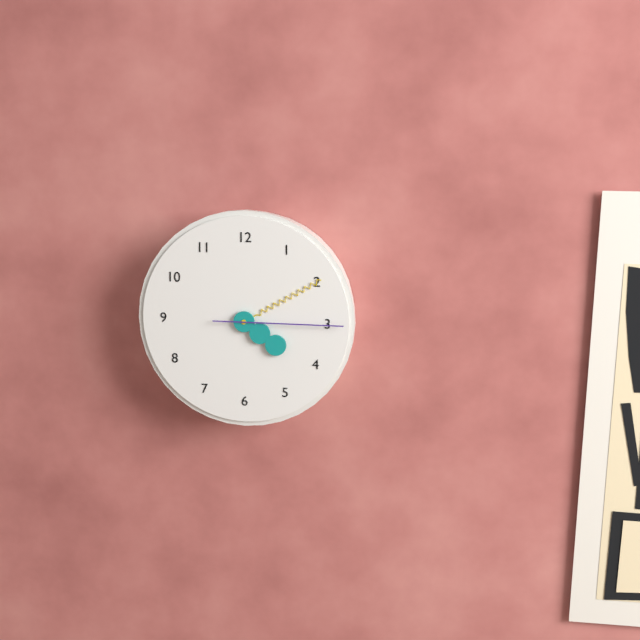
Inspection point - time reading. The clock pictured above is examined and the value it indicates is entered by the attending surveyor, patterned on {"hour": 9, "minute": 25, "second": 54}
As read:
{"hour": 4, "minute": 10, "second": 15}
